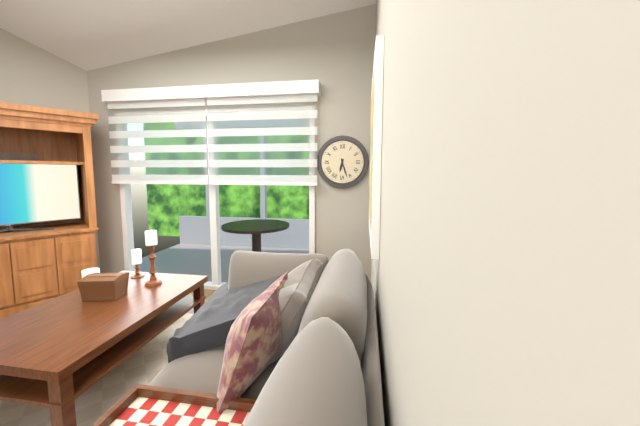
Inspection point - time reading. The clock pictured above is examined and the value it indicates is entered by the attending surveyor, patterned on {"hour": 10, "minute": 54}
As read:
{"hour": 6, "minute": 27}
